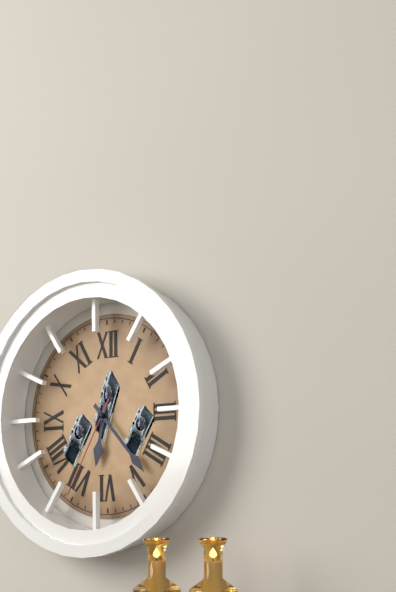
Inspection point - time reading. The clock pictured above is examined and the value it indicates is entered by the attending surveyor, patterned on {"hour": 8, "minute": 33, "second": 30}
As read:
{"hour": 6, "minute": 23, "second": 35}
